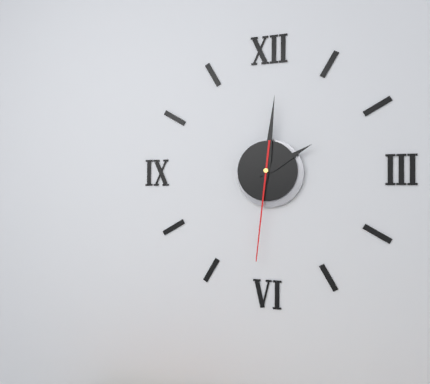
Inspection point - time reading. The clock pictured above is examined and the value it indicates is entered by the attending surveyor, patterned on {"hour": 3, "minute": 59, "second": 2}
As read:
{"hour": 2, "minute": 1, "second": 31}
